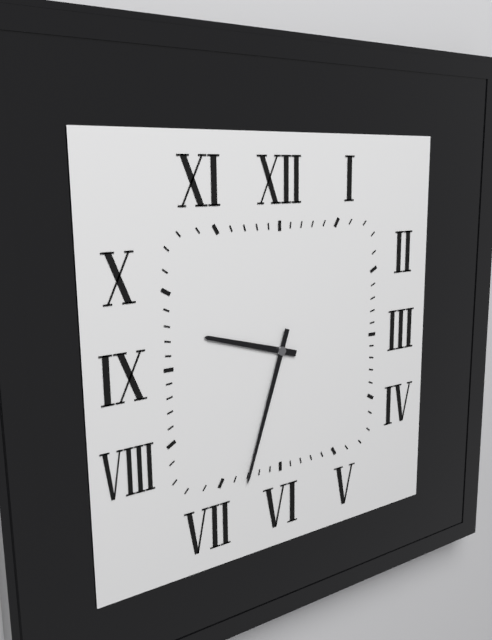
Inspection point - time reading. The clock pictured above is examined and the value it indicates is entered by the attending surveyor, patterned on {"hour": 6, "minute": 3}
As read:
{"hour": 9, "minute": 33}
